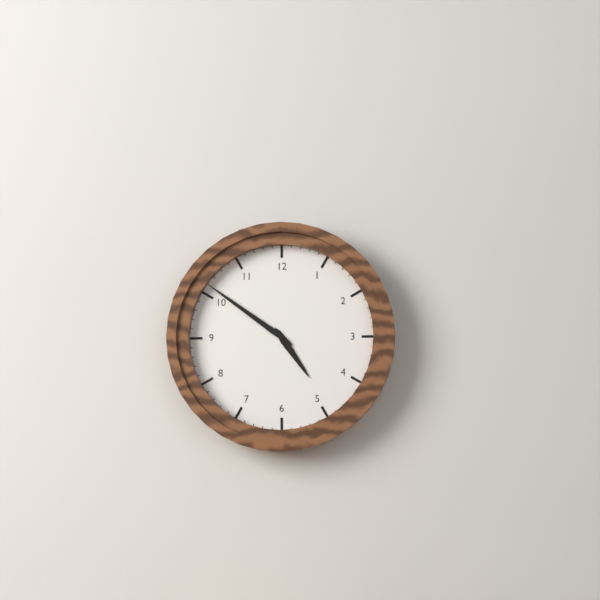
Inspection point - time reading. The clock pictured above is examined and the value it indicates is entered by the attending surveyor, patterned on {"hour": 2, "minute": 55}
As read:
{"hour": 4, "minute": 51}
